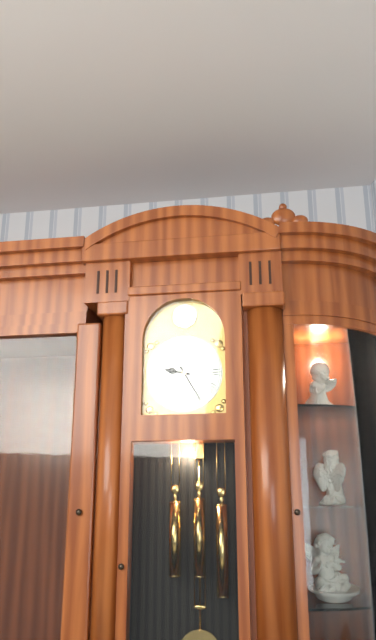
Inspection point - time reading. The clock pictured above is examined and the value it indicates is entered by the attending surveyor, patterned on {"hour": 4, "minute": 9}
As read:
{"hour": 9, "minute": 25}
